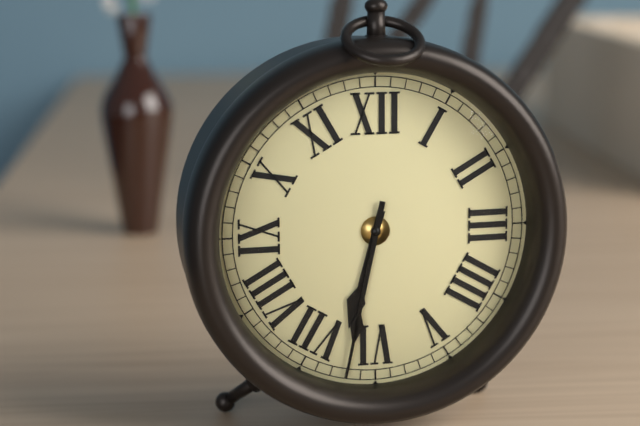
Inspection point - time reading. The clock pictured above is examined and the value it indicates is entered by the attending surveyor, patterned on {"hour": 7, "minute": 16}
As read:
{"hour": 6, "minute": 32}
